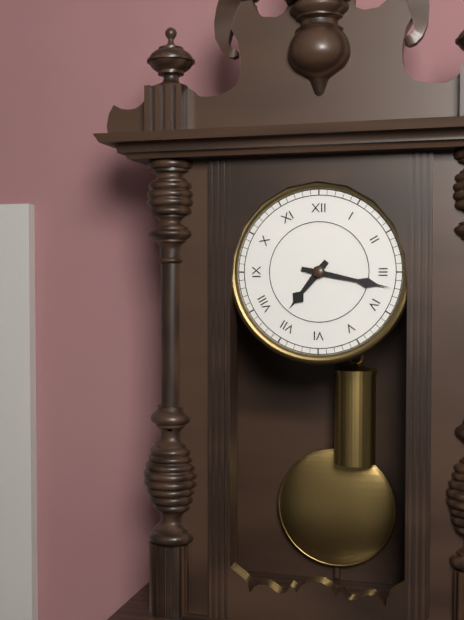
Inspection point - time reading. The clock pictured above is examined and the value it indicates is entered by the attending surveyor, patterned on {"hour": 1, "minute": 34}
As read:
{"hour": 7, "minute": 17}
